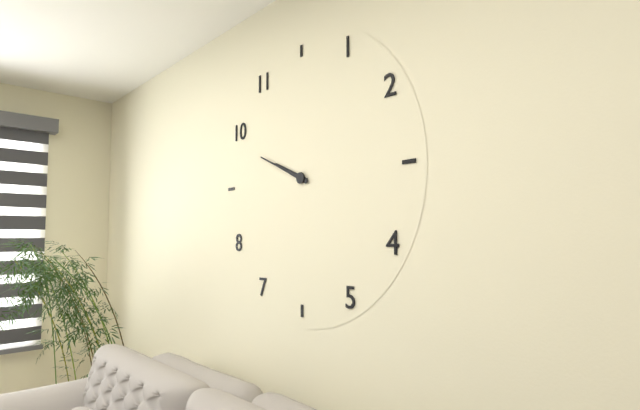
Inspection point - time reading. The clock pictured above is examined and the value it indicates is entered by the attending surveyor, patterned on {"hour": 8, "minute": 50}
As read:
{"hour": 9, "minute": 49}
